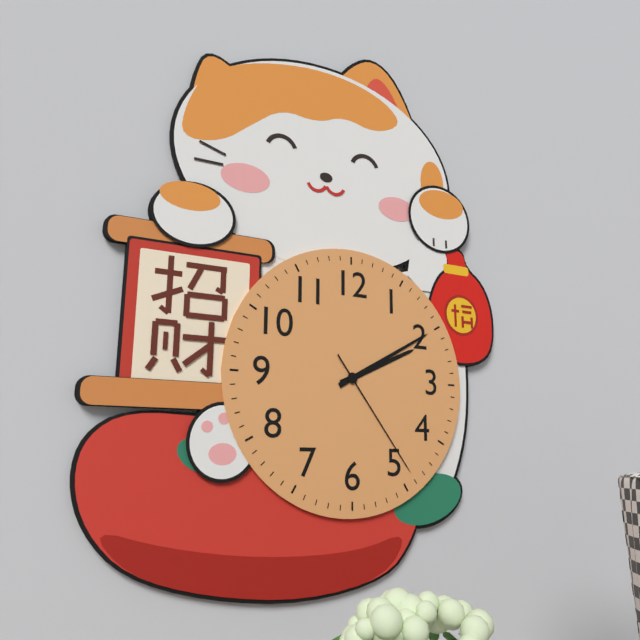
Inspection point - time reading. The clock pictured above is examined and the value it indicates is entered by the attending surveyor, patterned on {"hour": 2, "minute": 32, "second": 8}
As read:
{"hour": 2, "minute": 10, "second": 24}
